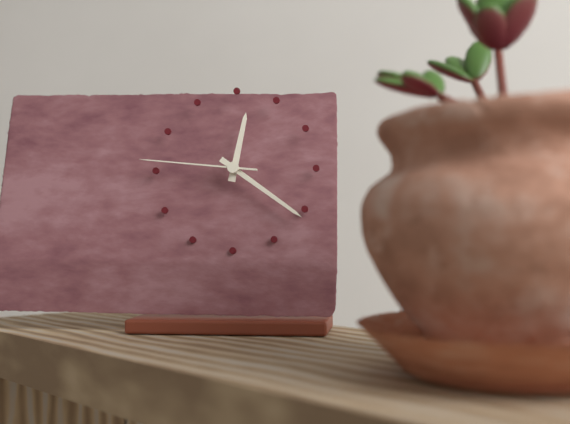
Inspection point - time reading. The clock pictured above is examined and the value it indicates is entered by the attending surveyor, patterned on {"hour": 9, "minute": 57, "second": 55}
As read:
{"hour": 12, "minute": 21, "second": 46}
